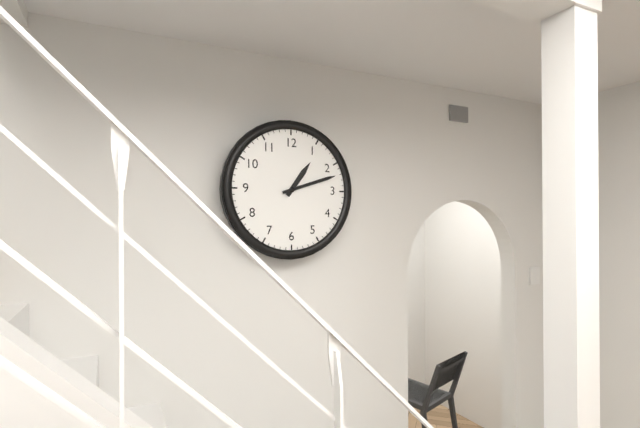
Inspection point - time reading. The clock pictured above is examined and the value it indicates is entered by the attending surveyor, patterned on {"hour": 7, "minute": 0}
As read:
{"hour": 1, "minute": 12}
